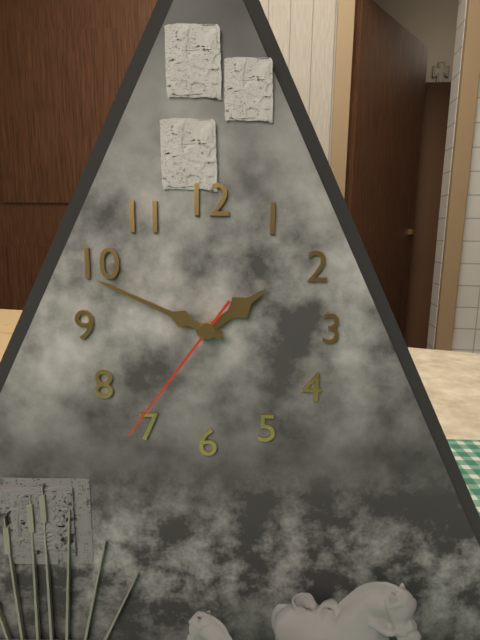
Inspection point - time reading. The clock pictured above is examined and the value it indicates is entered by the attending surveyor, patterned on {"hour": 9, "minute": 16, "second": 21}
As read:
{"hour": 1, "minute": 49, "second": 36}
